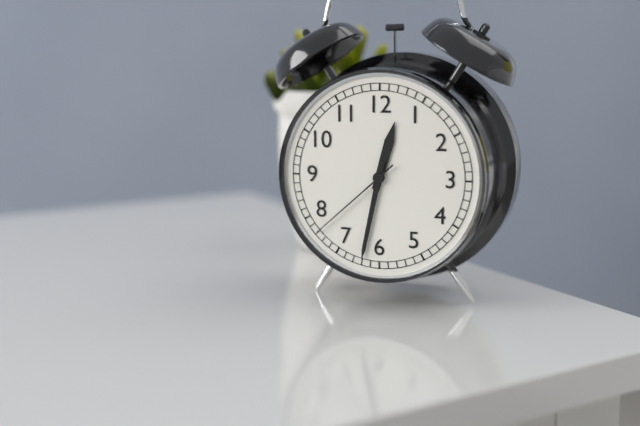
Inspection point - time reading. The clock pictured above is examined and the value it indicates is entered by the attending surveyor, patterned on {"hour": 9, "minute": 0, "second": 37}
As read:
{"hour": 12, "minute": 32, "second": 38}
